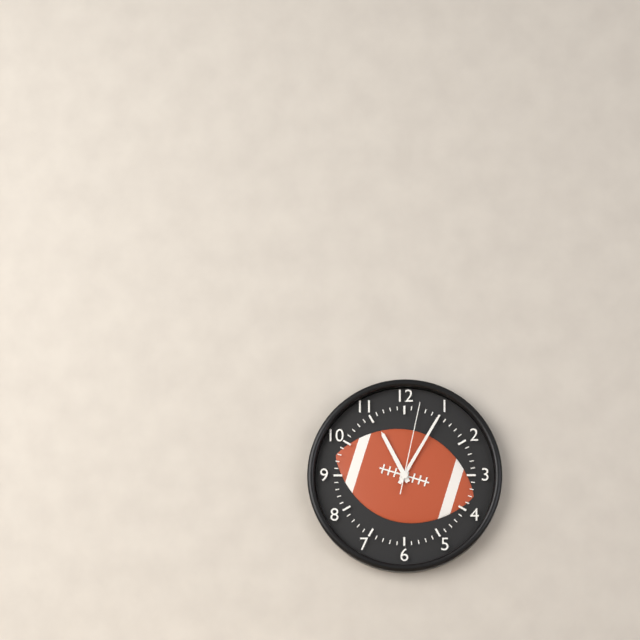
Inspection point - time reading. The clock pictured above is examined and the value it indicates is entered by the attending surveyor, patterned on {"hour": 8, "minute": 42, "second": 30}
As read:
{"hour": 11, "minute": 5, "second": 2}
